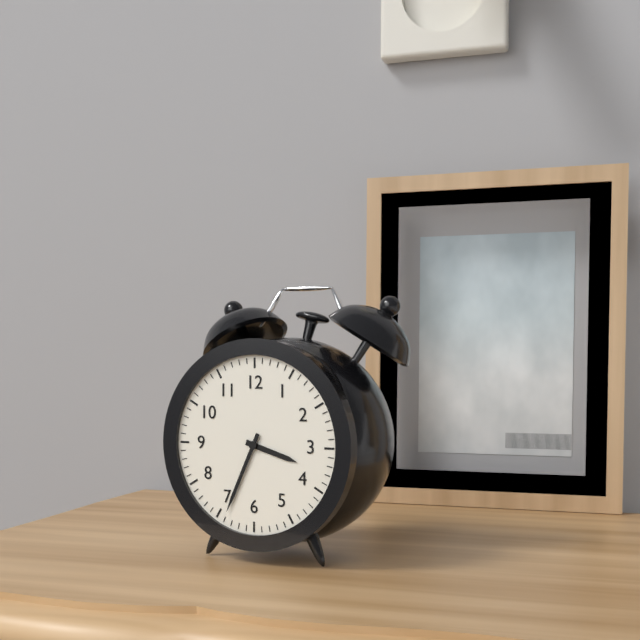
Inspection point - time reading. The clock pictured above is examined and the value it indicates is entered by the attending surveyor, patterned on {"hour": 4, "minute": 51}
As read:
{"hour": 3, "minute": 34}
